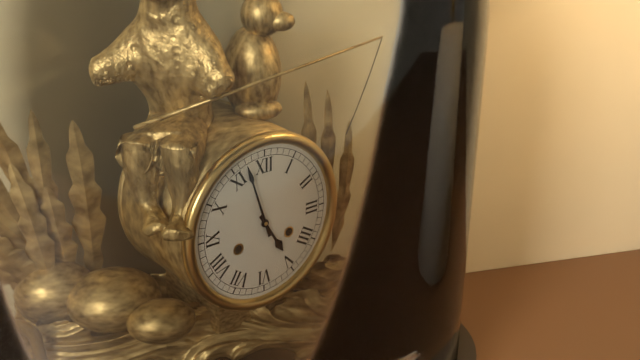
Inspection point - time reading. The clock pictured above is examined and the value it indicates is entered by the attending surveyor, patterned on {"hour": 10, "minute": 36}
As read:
{"hour": 4, "minute": 57}
